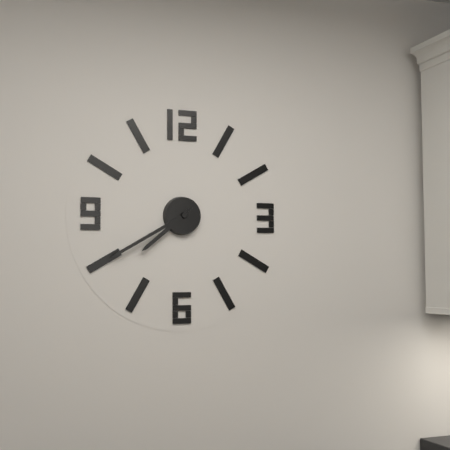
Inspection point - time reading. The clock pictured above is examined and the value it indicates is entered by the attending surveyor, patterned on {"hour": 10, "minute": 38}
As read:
{"hour": 7, "minute": 40}
